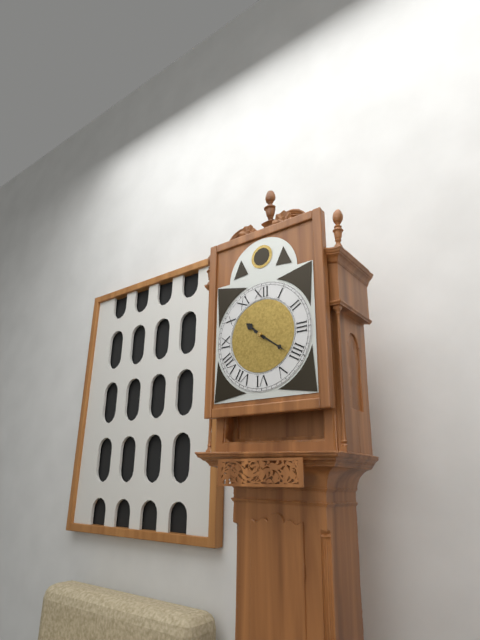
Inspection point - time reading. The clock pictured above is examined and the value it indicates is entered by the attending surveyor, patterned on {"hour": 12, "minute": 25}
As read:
{"hour": 10, "minute": 21}
